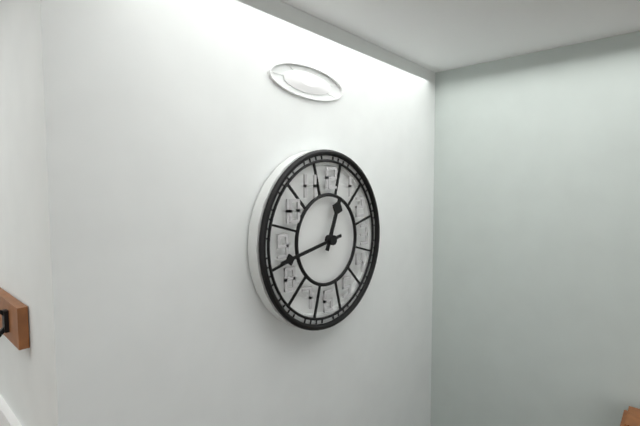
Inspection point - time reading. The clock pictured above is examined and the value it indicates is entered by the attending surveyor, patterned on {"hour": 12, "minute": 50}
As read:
{"hour": 12, "minute": 43}
